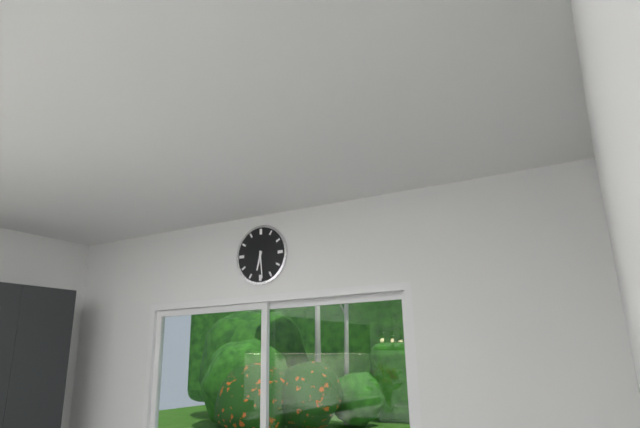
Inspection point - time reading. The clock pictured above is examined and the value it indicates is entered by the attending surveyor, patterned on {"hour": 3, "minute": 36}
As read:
{"hour": 6, "minute": 29}
